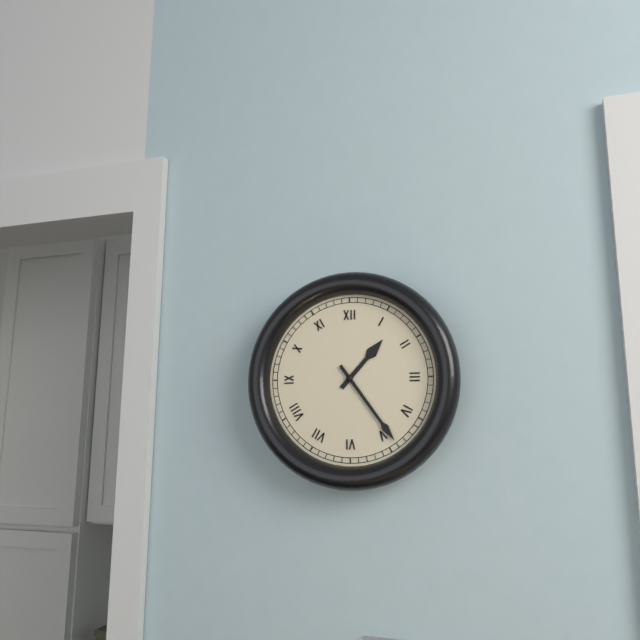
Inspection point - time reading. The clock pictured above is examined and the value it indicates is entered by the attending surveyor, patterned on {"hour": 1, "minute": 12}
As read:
{"hour": 1, "minute": 24}
